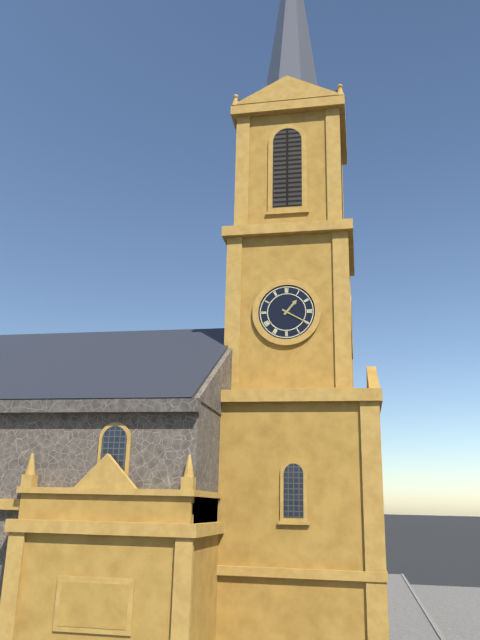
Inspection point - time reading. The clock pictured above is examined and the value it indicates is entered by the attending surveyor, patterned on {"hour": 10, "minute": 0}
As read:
{"hour": 1, "minute": 20}
